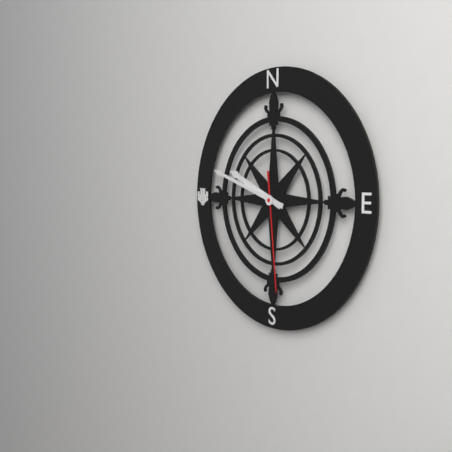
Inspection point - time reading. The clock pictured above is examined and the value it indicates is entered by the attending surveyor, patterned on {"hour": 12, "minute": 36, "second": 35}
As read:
{"hour": 9, "minute": 48, "second": 29}
